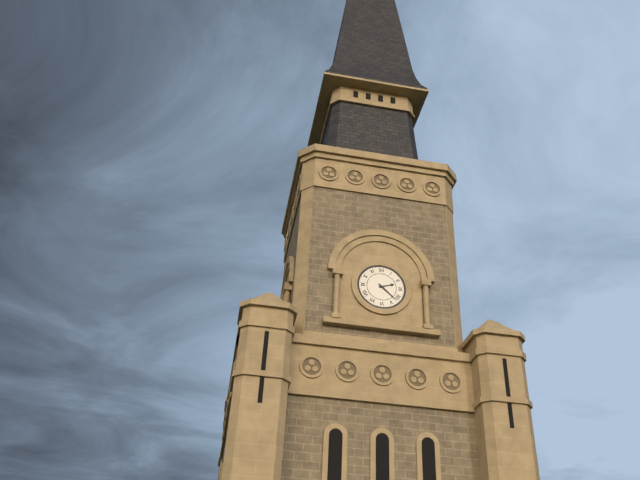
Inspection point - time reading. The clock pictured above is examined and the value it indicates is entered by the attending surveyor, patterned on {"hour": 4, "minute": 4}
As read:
{"hour": 2, "minute": 22}
